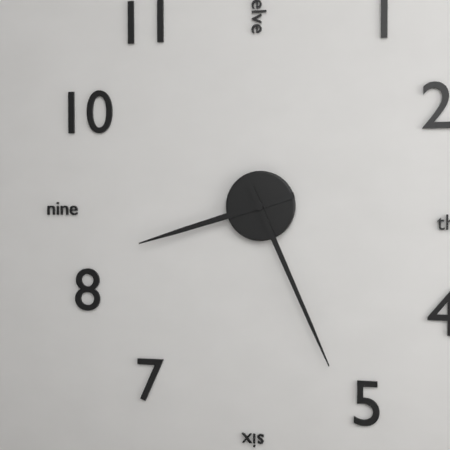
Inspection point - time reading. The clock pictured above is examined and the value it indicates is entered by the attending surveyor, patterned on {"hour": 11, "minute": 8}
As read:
{"hour": 8, "minute": 26}
